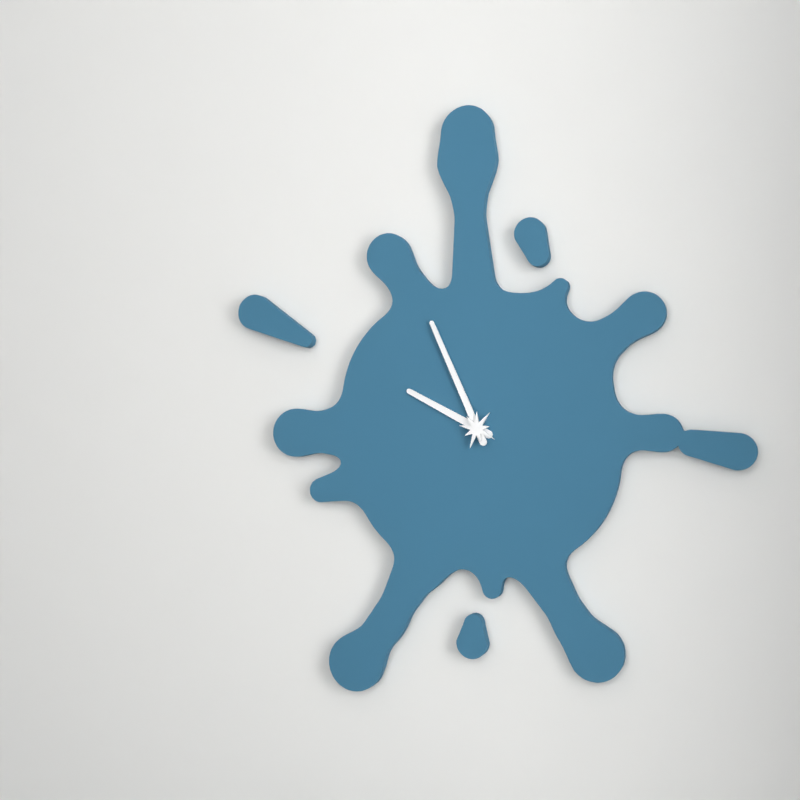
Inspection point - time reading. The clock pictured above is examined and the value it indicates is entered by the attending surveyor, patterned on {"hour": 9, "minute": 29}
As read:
{"hour": 9, "minute": 56}
